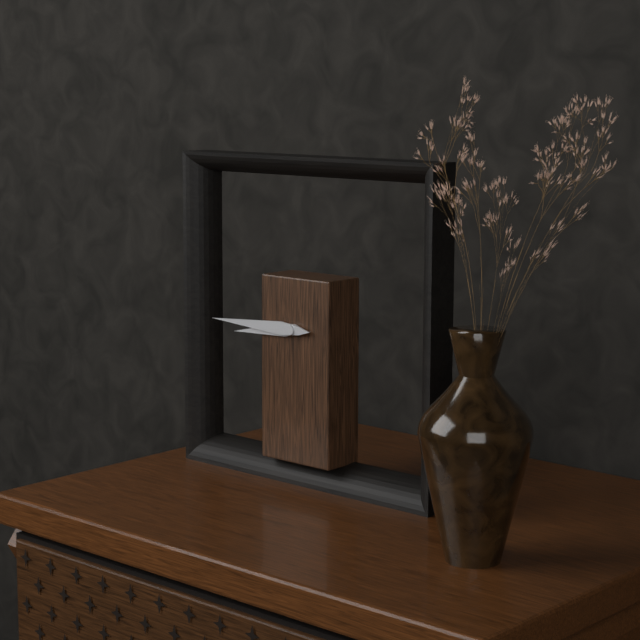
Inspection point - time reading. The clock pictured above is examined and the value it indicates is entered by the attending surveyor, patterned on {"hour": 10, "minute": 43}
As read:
{"hour": 8, "minute": 45}
